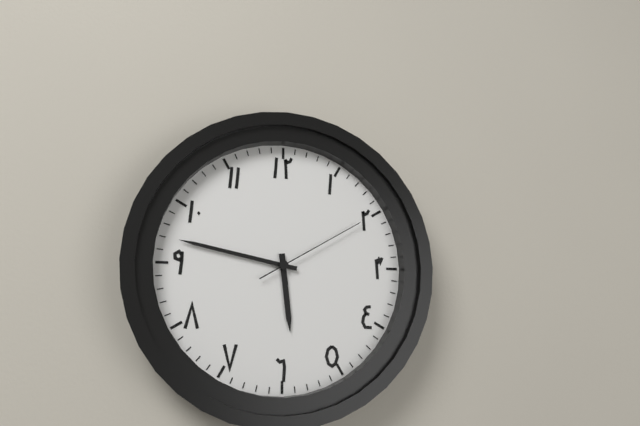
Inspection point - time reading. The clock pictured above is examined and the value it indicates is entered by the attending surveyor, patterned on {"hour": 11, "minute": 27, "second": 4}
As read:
{"hour": 5, "minute": 47, "second": 10}
